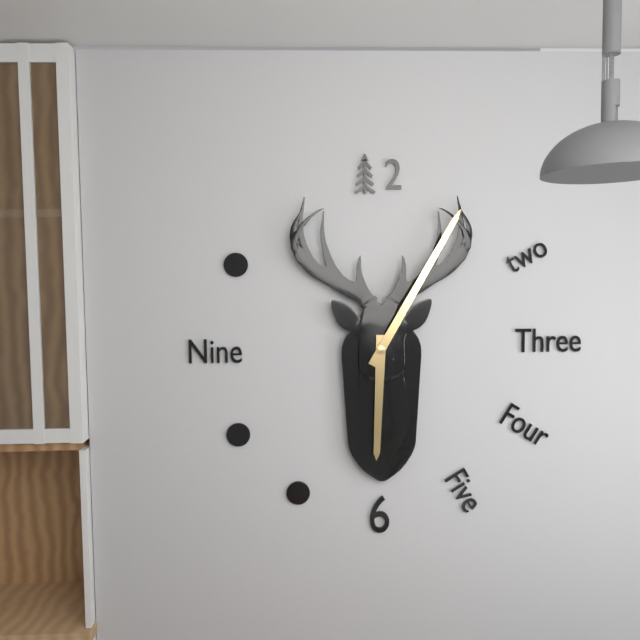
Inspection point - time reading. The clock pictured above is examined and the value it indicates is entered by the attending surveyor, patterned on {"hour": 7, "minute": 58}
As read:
{"hour": 6, "minute": 5}
